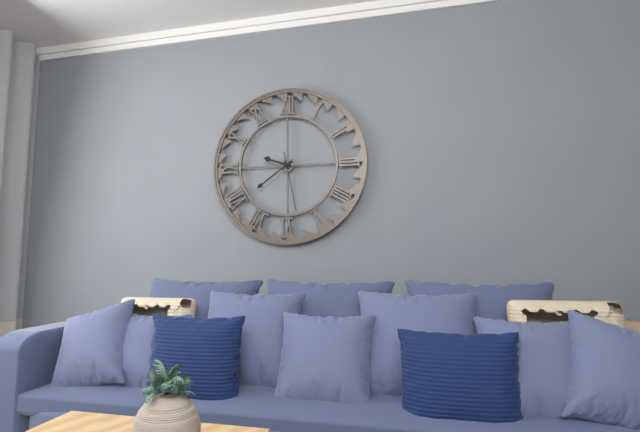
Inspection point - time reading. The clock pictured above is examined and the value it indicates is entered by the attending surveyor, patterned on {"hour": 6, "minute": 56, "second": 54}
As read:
{"hour": 9, "minute": 39, "second": 28}
